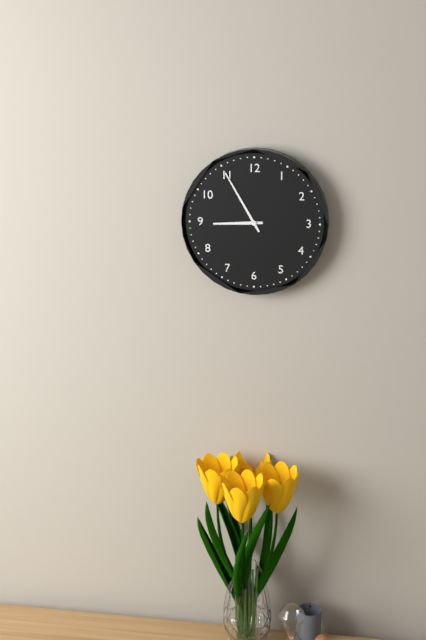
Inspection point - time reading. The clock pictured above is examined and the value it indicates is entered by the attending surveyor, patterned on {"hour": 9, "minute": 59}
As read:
{"hour": 8, "minute": 55}
